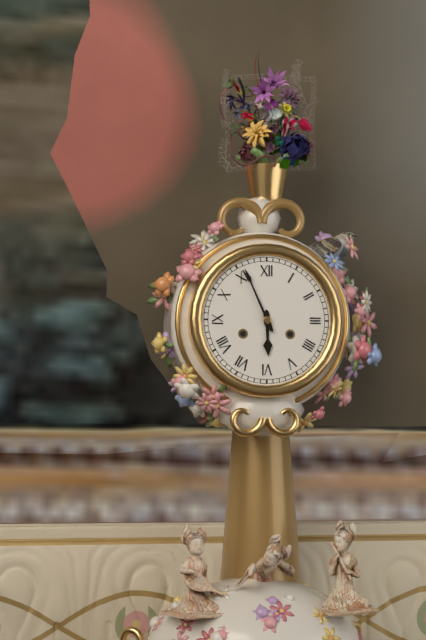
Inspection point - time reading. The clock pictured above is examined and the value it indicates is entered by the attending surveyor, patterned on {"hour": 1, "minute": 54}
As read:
{"hour": 5, "minute": 56}
